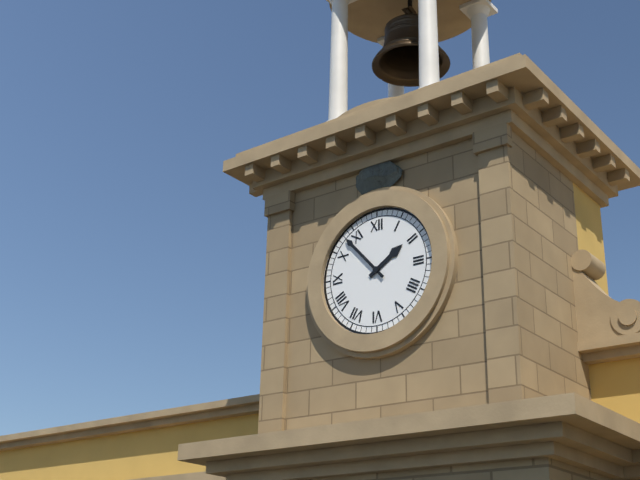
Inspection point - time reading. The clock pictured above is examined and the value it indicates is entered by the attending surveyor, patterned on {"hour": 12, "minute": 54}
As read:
{"hour": 1, "minute": 53}
